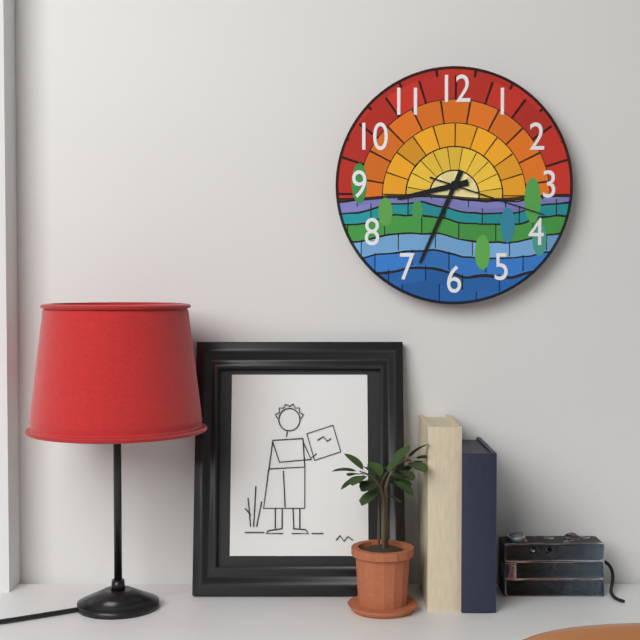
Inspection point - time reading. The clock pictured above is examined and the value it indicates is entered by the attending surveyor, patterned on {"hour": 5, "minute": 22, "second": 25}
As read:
{"hour": 8, "minute": 34, "second": 18}
